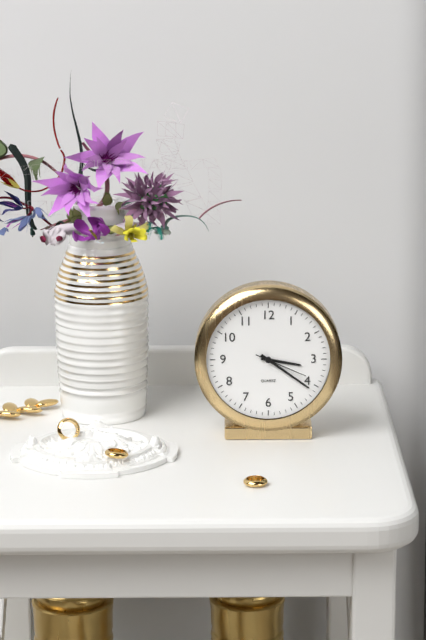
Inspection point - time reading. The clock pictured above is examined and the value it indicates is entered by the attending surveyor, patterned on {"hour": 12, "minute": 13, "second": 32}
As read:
{"hour": 3, "minute": 21, "second": 19}
